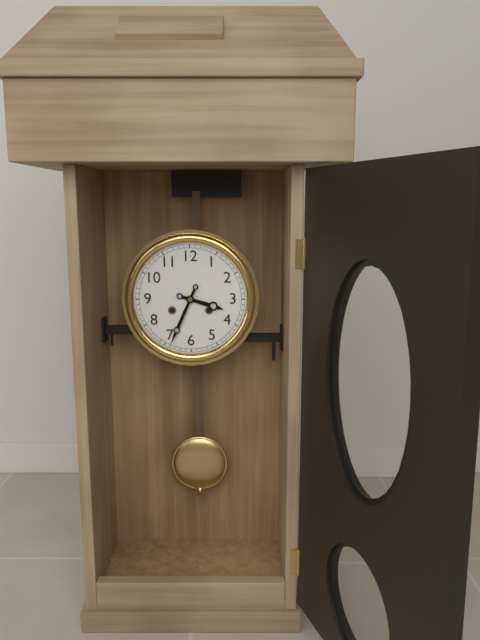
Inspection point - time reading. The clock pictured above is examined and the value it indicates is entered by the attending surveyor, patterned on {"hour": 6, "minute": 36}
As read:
{"hour": 3, "minute": 34}
